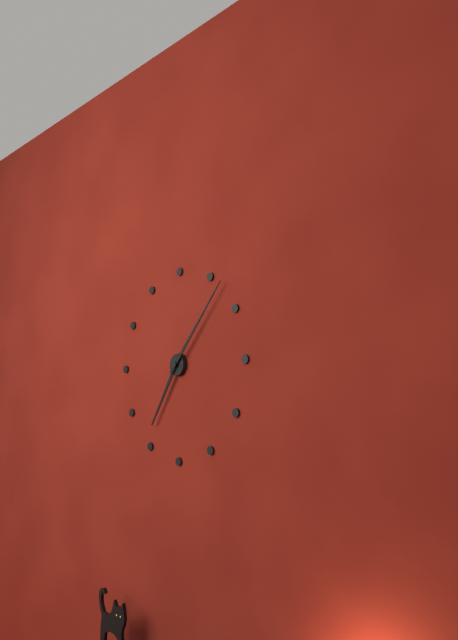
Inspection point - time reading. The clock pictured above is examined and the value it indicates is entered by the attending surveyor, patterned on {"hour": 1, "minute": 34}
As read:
{"hour": 7, "minute": 7}
